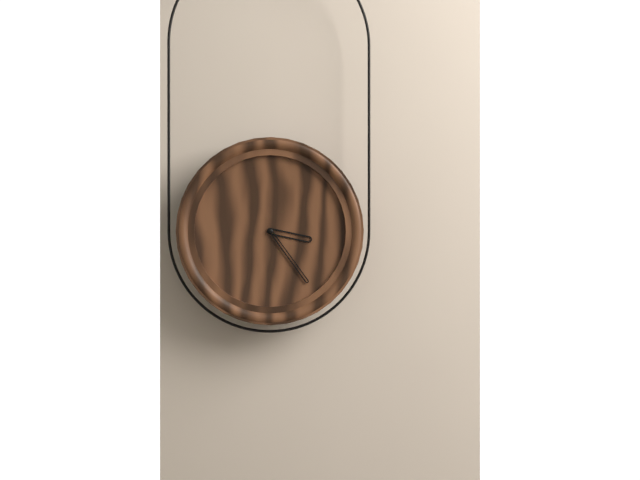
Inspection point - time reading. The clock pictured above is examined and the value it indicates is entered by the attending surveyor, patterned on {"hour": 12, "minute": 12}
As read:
{"hour": 3, "minute": 24}
